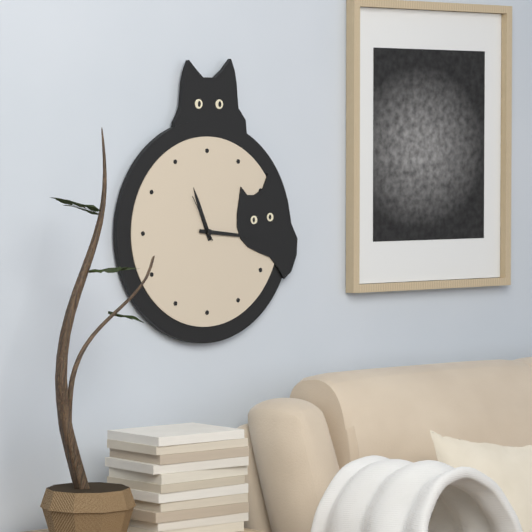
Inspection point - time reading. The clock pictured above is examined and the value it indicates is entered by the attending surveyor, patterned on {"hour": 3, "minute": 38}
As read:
{"hour": 11, "minute": 16}
